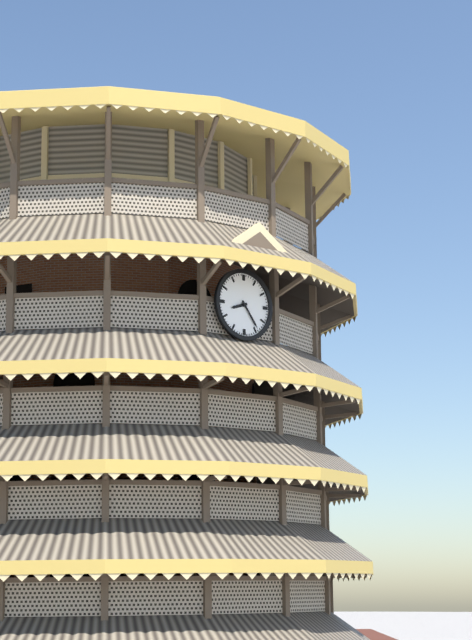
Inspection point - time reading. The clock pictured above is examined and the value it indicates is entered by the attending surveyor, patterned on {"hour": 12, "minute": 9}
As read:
{"hour": 8, "minute": 24}
